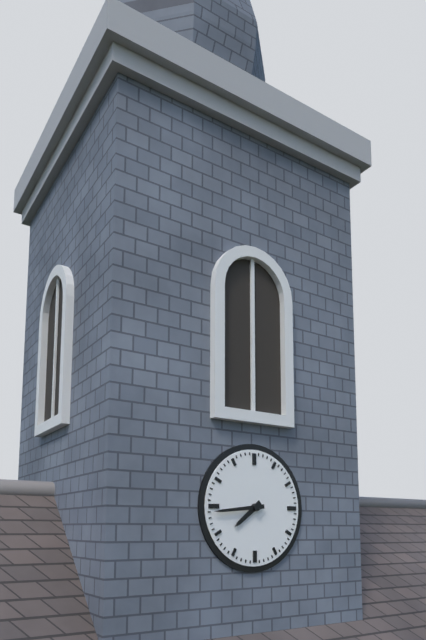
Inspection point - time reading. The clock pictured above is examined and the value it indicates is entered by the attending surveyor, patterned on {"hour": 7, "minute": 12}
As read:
{"hour": 7, "minute": 44}
